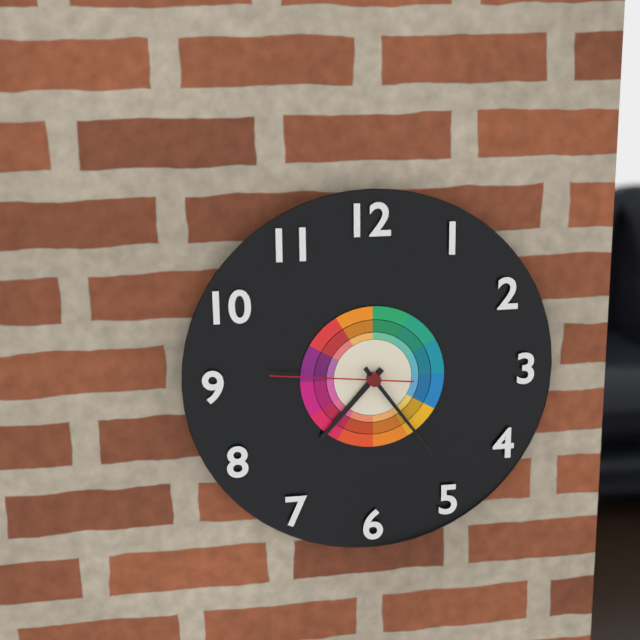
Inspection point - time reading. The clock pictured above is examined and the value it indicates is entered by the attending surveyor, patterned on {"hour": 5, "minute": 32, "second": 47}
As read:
{"hour": 7, "minute": 24, "second": 46}
